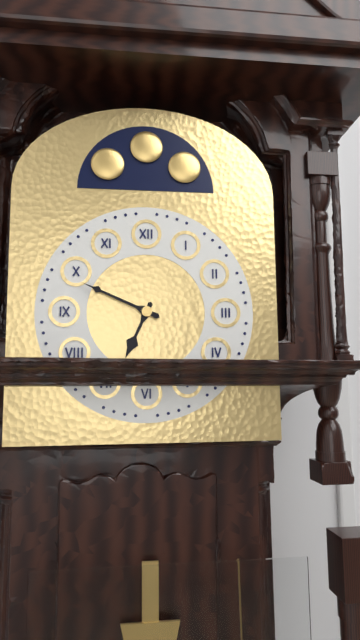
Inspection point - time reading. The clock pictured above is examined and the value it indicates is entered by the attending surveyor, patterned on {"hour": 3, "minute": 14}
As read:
{"hour": 6, "minute": 49}
